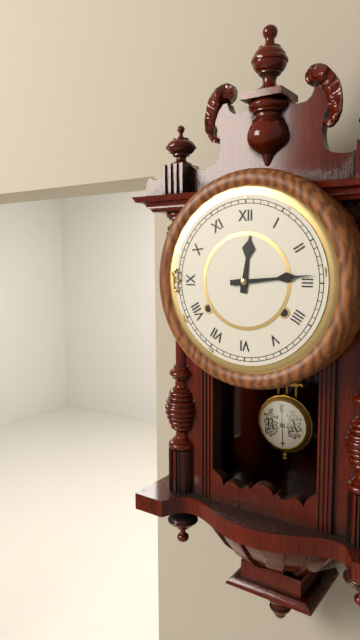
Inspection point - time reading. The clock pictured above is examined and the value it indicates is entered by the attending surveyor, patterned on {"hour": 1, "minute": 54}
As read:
{"hour": 12, "minute": 14}
